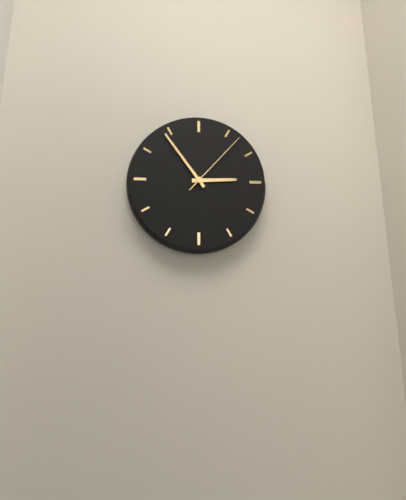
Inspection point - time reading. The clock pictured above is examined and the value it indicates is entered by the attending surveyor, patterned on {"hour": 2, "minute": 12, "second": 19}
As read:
{"hour": 2, "minute": 54, "second": 7}
